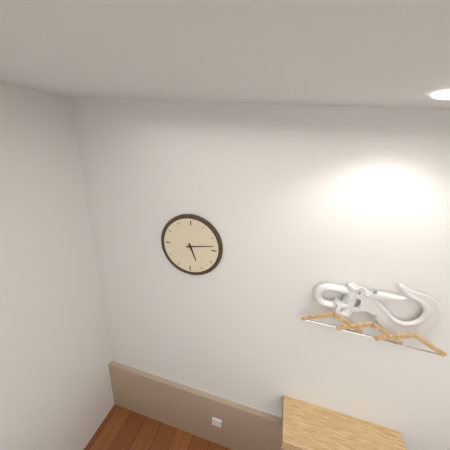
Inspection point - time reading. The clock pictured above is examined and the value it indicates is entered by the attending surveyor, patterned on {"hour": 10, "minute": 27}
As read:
{"hour": 5, "minute": 13}
